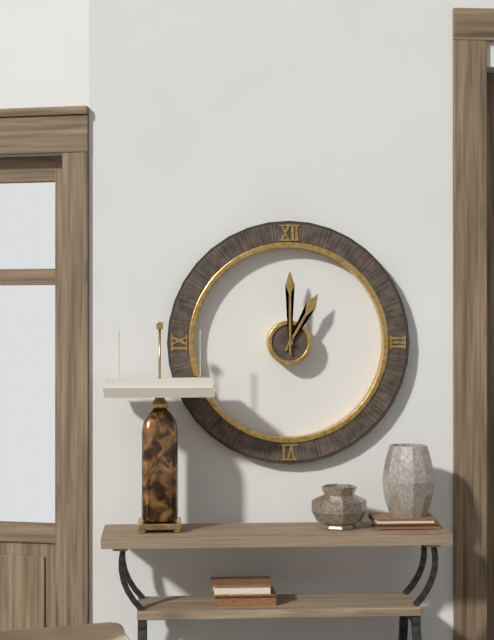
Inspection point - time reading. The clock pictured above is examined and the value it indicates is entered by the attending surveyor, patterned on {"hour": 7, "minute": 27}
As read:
{"hour": 1, "minute": 0}
